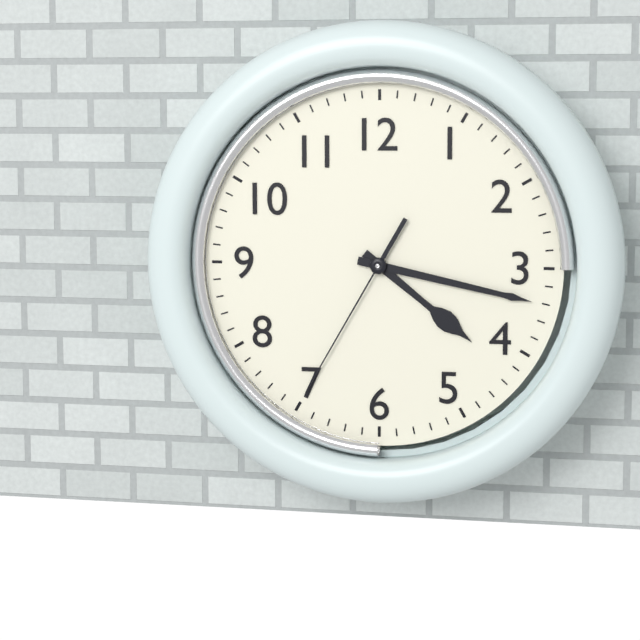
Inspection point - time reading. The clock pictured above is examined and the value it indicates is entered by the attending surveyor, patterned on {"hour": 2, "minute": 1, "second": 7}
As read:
{"hour": 4, "minute": 17, "second": 35}
